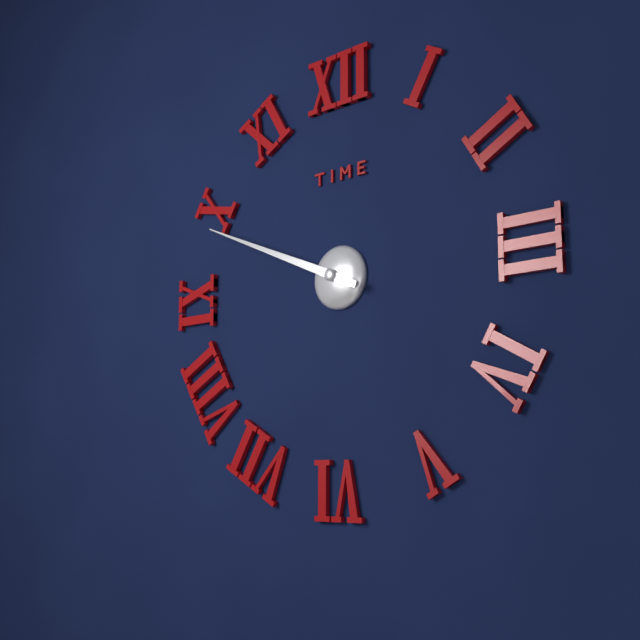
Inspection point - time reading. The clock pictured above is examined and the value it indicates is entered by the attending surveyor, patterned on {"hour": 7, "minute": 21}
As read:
{"hour": 9, "minute": 49}
